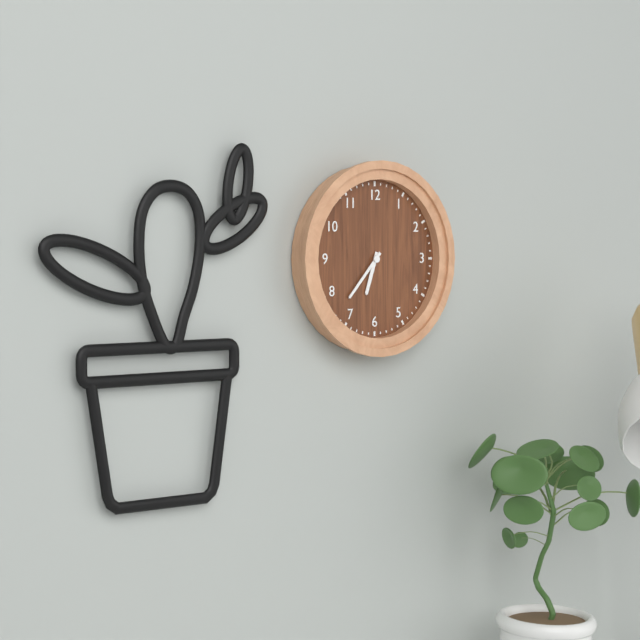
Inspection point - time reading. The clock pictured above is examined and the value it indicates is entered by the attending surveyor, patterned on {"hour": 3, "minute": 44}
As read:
{"hour": 6, "minute": 37}
